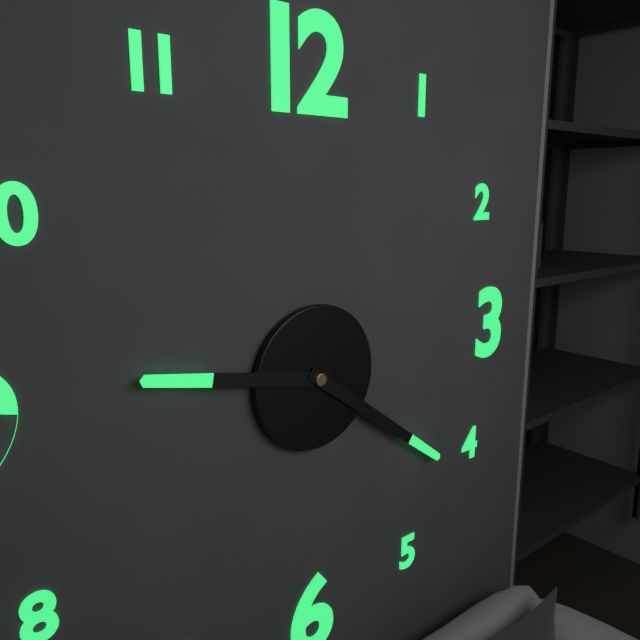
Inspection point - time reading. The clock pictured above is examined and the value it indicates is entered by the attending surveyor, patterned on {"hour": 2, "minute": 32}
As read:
{"hour": 9, "minute": 21}
